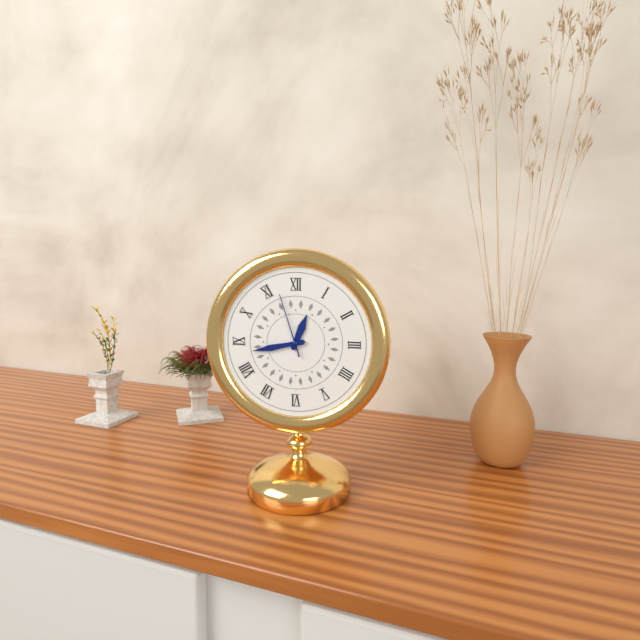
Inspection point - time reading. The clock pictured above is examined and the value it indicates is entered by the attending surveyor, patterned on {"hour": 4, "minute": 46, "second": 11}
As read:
{"hour": 12, "minute": 43, "second": 57}
